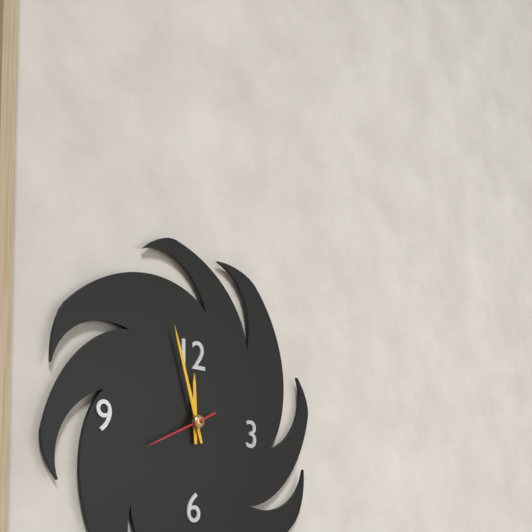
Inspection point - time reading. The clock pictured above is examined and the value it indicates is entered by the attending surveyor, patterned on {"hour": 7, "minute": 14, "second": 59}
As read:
{"hour": 11, "minute": 57, "second": 41}
